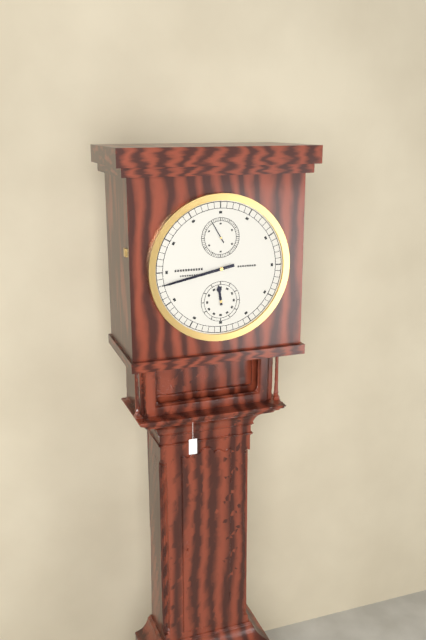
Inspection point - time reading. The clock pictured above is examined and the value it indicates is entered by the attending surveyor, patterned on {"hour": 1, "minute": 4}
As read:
{"hour": 11, "minute": 43}
